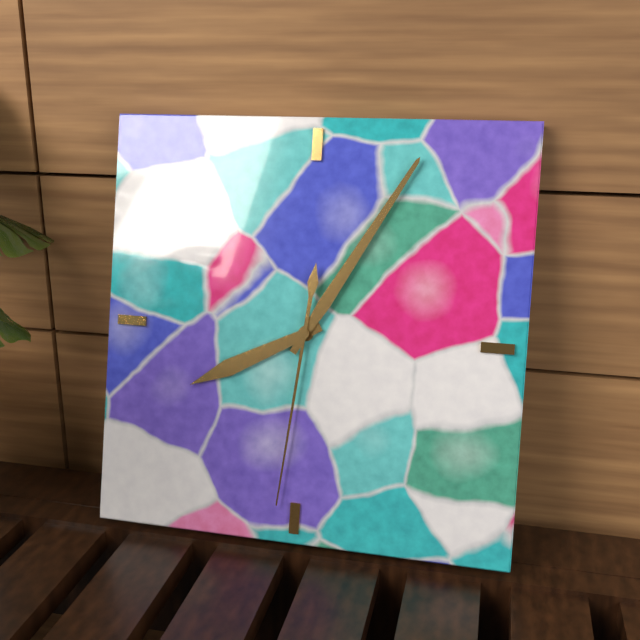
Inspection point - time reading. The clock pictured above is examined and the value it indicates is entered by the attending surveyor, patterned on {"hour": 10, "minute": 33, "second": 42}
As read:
{"hour": 8, "minute": 5, "second": 31}
